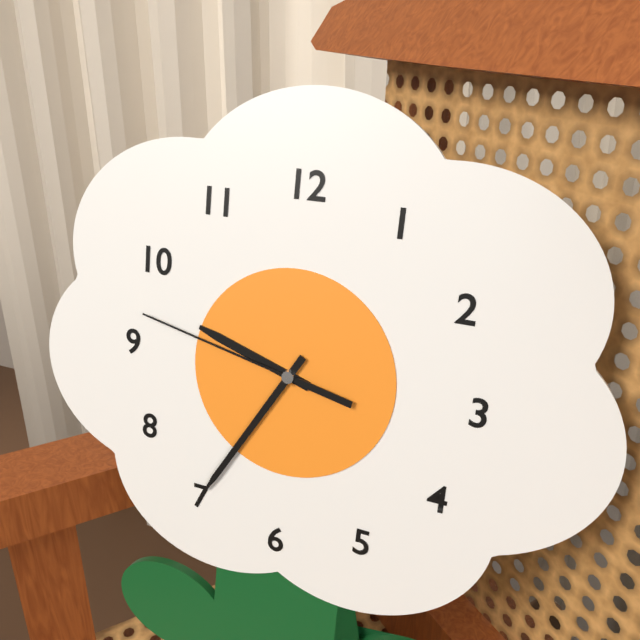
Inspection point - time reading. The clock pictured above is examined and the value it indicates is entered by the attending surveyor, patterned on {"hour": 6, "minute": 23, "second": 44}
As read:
{"hour": 9, "minute": 35, "second": 47}
